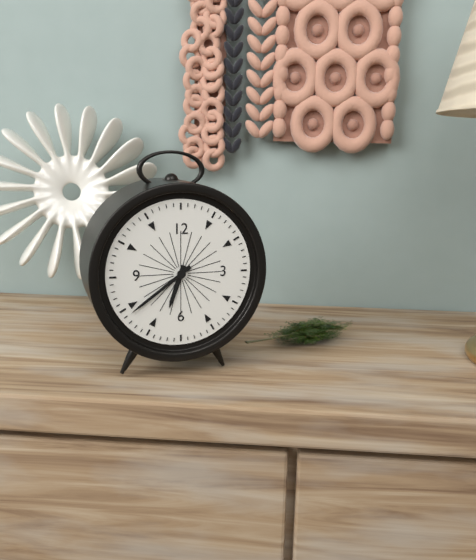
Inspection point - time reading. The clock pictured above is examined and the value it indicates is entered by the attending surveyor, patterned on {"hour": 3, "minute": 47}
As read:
{"hour": 6, "minute": 39}
